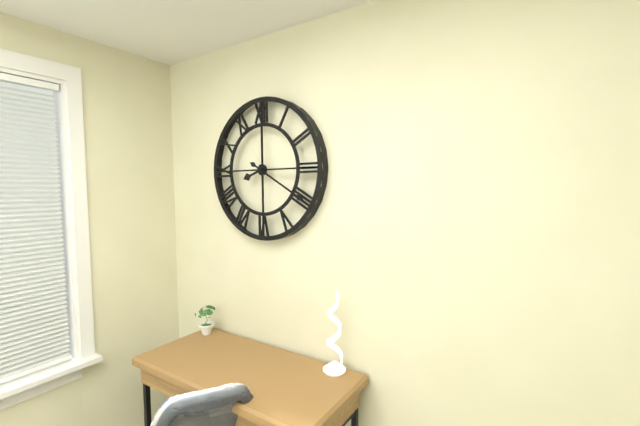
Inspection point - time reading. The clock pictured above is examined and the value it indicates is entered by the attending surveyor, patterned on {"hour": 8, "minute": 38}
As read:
{"hour": 8, "minute": 20}
